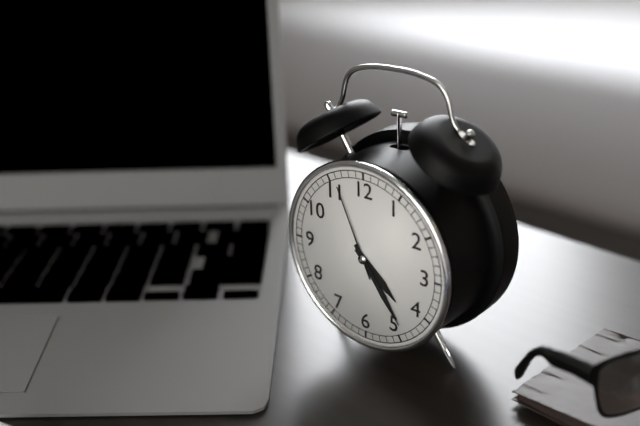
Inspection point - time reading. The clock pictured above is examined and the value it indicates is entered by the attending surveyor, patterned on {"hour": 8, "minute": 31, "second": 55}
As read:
{"hour": 4, "minute": 24, "second": 56}
